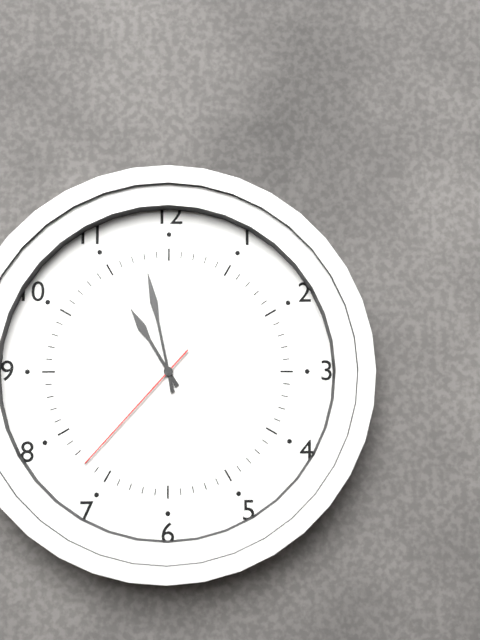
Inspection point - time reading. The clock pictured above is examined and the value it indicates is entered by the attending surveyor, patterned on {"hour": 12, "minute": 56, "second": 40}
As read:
{"hour": 10, "minute": 58, "second": 37}
